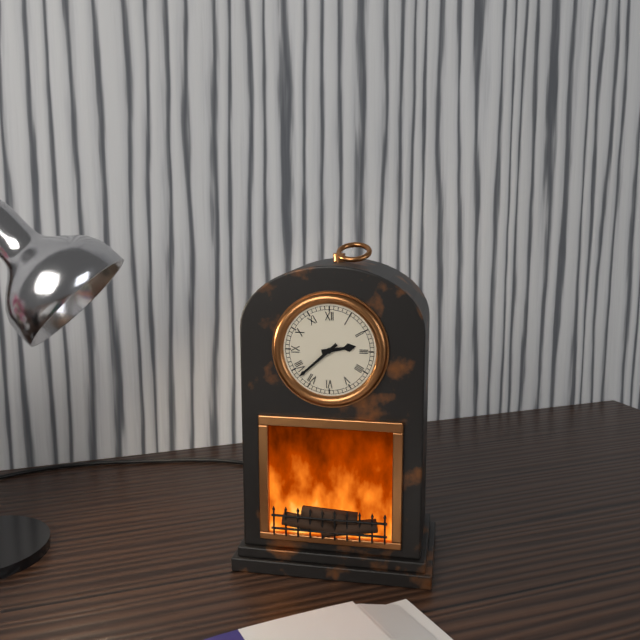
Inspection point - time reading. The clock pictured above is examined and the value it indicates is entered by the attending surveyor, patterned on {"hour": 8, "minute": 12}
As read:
{"hour": 2, "minute": 38}
